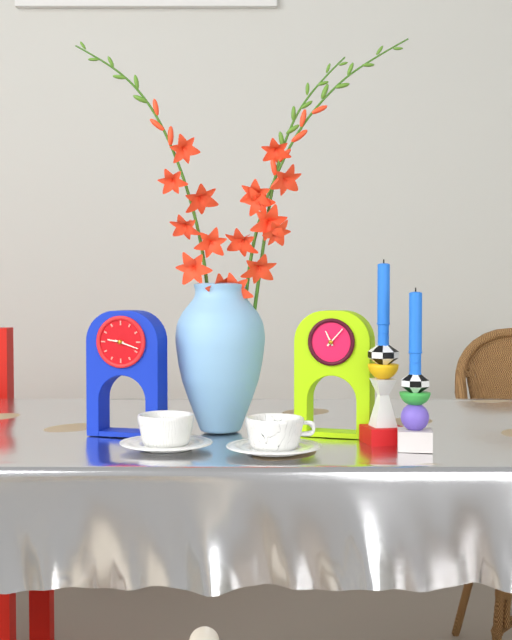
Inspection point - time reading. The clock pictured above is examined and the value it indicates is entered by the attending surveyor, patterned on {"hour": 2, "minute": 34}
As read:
{"hour": 9, "minute": 18}
